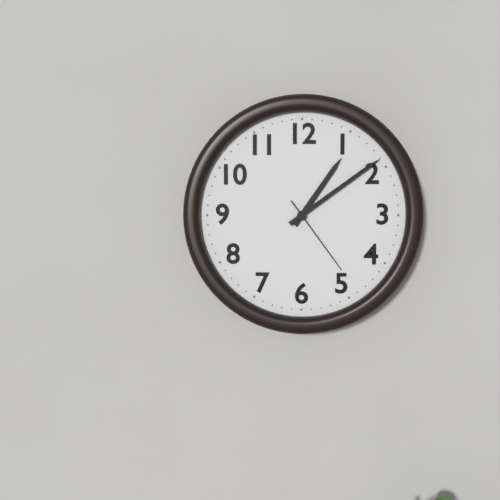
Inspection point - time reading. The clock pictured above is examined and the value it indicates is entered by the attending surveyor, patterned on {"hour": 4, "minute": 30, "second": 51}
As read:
{"hour": 1, "minute": 9, "second": 24}
